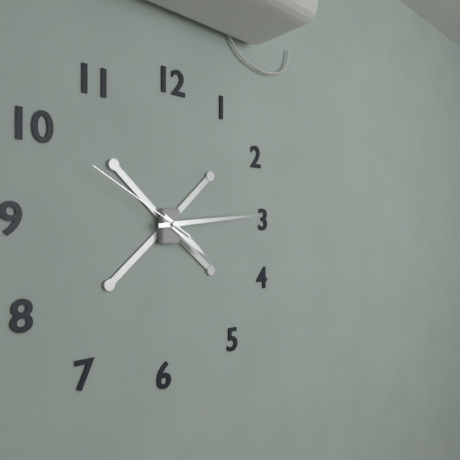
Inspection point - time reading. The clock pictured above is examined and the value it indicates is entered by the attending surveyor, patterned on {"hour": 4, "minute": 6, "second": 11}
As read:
{"hour": 4, "minute": 14, "second": 50}
